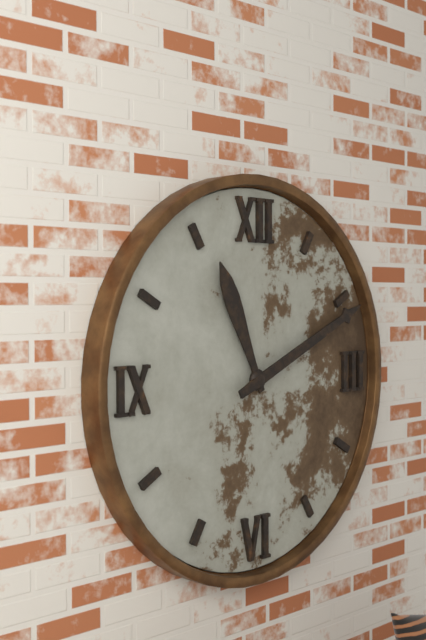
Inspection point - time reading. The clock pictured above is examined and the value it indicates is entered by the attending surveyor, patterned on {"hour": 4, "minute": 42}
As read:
{"hour": 11, "minute": 11}
